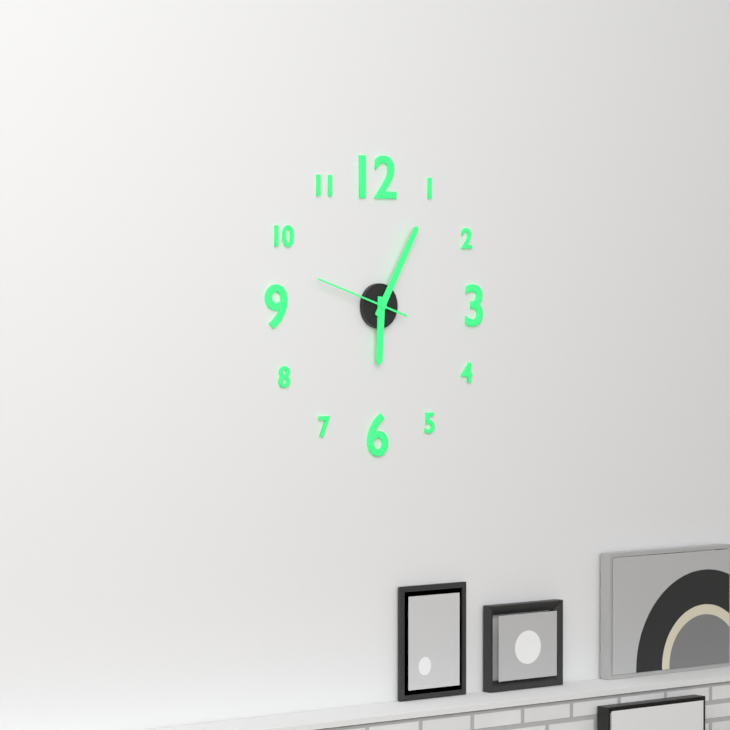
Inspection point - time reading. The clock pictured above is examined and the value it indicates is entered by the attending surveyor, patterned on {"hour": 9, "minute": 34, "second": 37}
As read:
{"hour": 6, "minute": 5, "second": 48}
